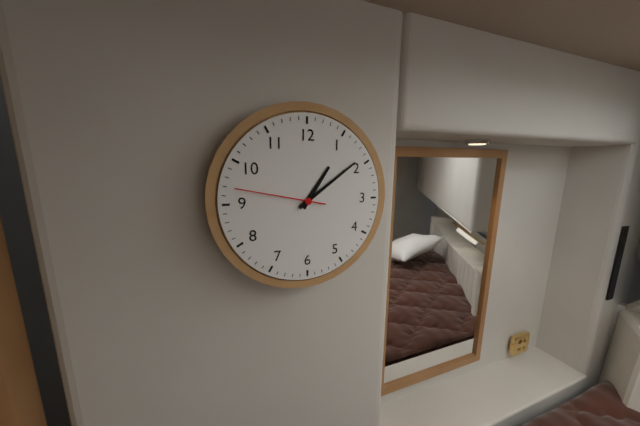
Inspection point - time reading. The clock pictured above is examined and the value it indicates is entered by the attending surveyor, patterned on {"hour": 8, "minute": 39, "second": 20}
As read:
{"hour": 1, "minute": 9, "second": 47}
